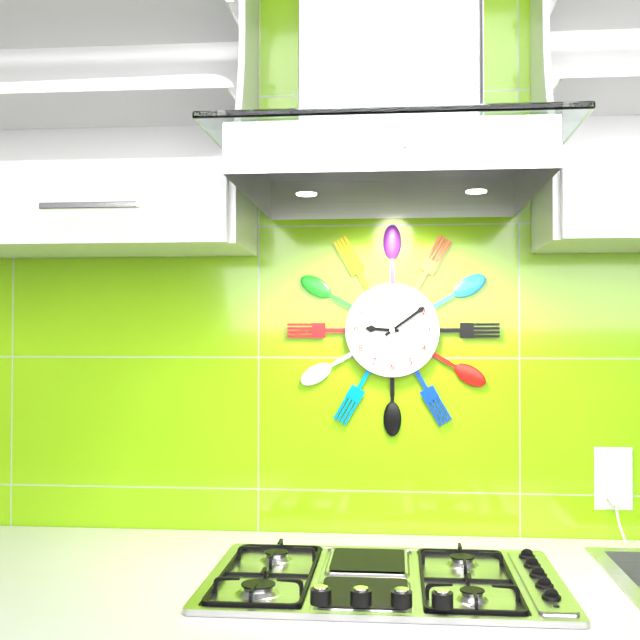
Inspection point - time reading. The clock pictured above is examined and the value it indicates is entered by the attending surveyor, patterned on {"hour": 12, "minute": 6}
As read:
{"hour": 9, "minute": 9}
